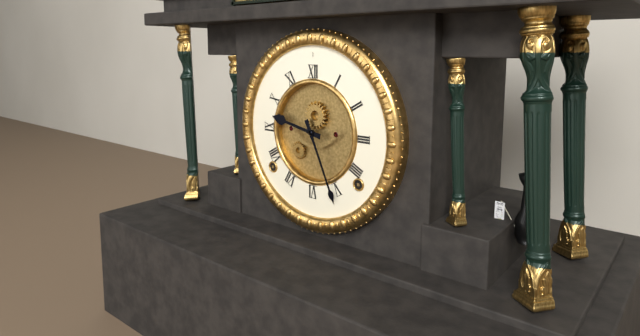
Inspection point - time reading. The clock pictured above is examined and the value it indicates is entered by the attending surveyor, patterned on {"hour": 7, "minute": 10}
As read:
{"hour": 9, "minute": 26}
